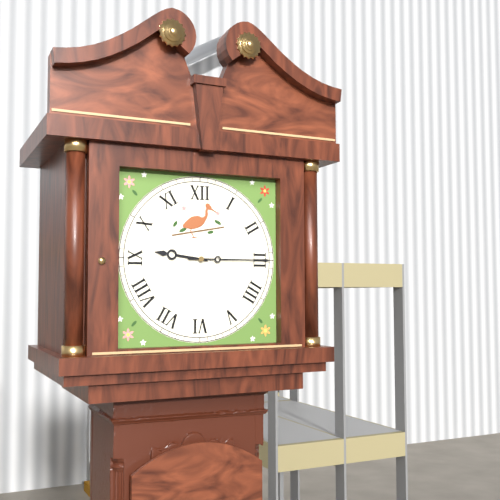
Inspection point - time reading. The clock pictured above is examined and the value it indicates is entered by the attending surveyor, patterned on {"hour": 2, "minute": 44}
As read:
{"hour": 9, "minute": 15}
